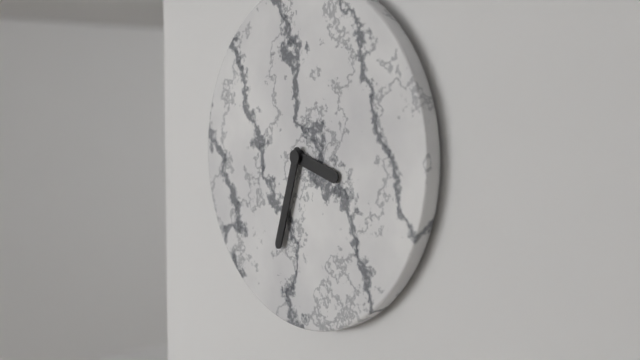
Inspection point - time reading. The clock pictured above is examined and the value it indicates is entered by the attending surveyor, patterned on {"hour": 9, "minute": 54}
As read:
{"hour": 3, "minute": 33}
